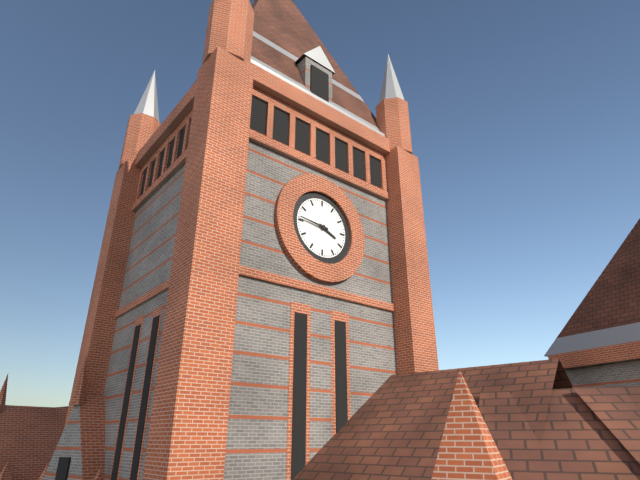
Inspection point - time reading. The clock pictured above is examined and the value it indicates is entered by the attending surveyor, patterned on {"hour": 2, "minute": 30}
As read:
{"hour": 3, "minute": 46}
